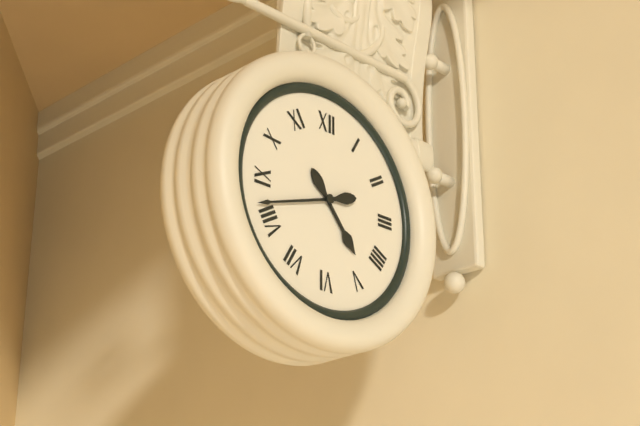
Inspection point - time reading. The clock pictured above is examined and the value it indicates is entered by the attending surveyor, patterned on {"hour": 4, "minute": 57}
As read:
{"hour": 4, "minute": 42}
